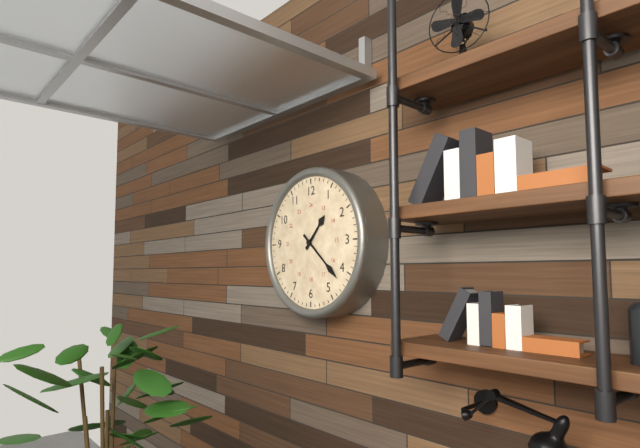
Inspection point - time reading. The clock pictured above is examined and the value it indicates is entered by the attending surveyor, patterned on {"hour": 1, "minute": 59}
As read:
{"hour": 1, "minute": 22}
